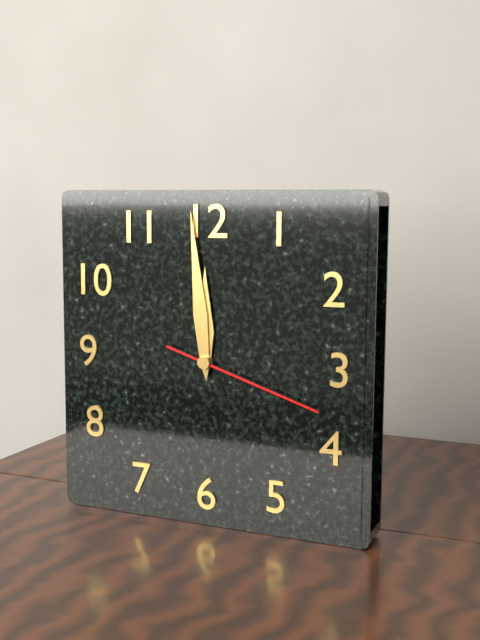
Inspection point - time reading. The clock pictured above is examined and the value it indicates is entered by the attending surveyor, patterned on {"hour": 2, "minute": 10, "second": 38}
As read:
{"hour": 11, "minute": 59, "second": 18}
